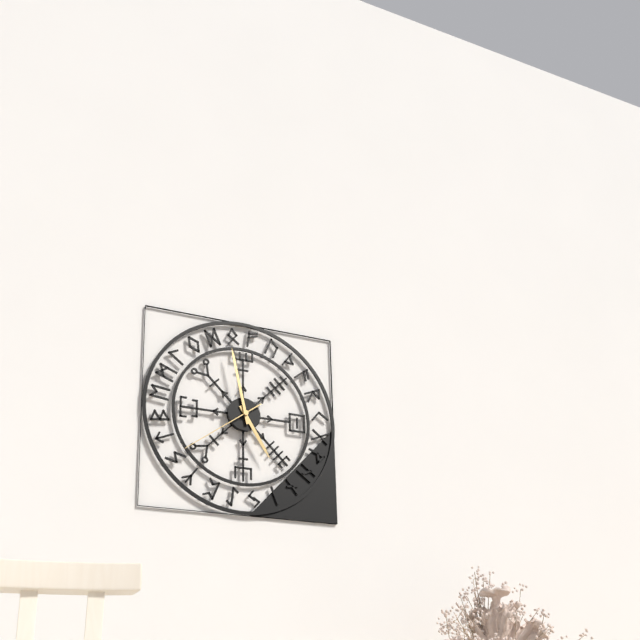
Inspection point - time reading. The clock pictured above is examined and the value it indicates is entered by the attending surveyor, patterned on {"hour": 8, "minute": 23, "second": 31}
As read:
{"hour": 4, "minute": 58, "second": 39}
